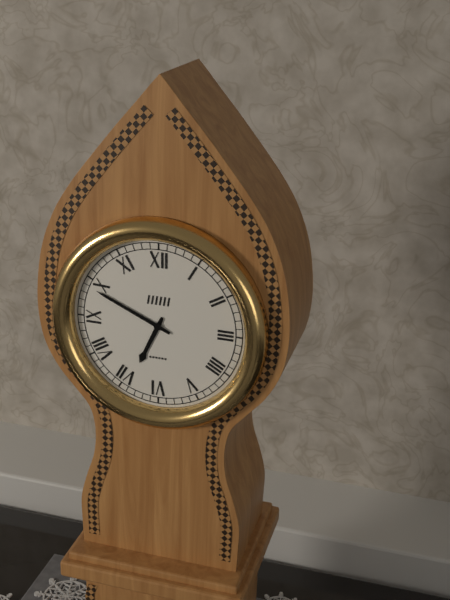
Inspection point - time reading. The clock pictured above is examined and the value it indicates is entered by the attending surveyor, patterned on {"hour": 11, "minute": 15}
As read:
{"hour": 6, "minute": 49}
